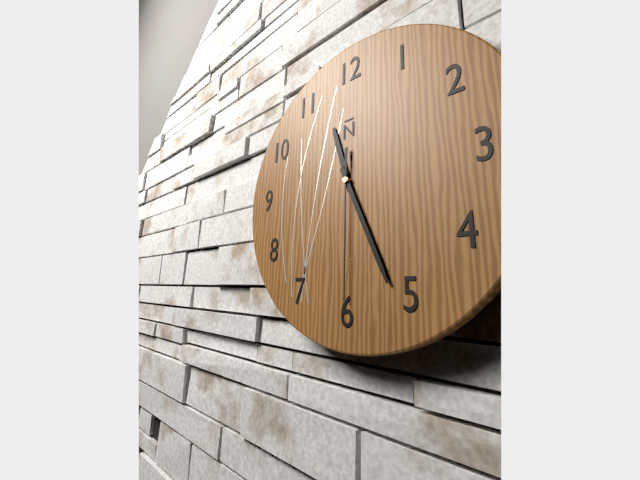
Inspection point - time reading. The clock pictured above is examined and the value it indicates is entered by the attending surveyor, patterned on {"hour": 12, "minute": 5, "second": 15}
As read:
{"hour": 11, "minute": 26, "second": 30}
